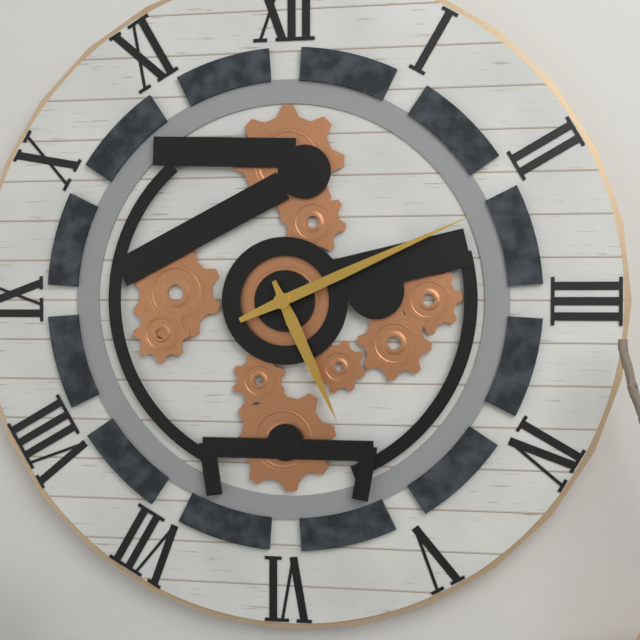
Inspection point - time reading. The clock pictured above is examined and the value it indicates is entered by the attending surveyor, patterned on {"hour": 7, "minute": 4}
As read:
{"hour": 5, "minute": 11}
